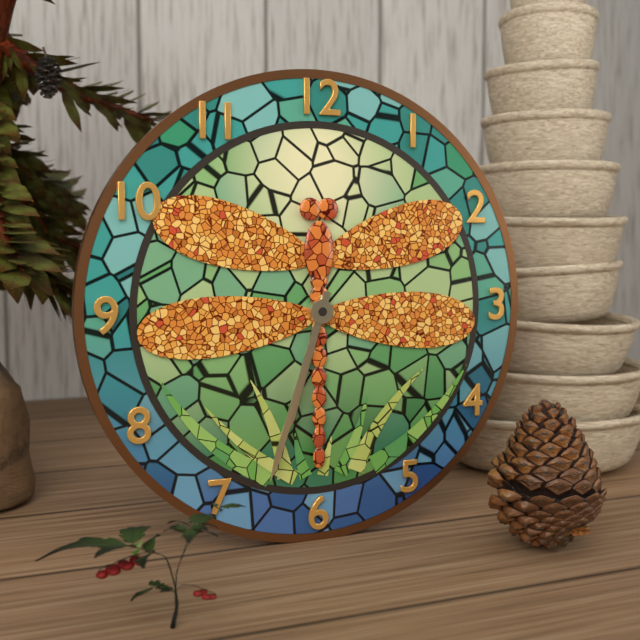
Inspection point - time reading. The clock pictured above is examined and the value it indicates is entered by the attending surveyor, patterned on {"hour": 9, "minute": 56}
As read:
{"hour": 6, "minute": 33}
